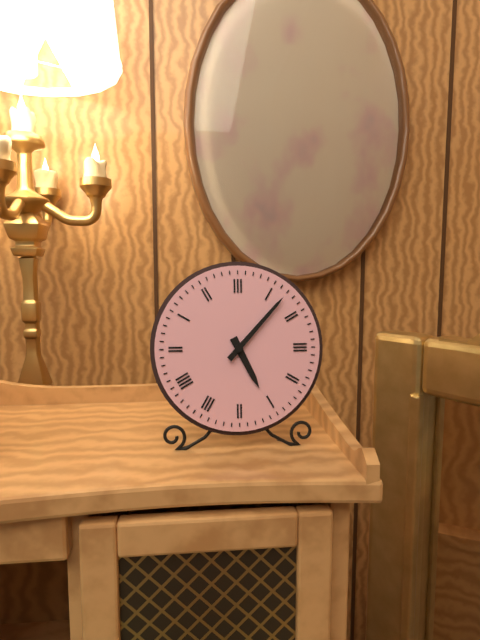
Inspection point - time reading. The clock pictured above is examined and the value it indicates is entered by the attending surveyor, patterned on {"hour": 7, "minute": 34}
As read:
{"hour": 5, "minute": 7}
